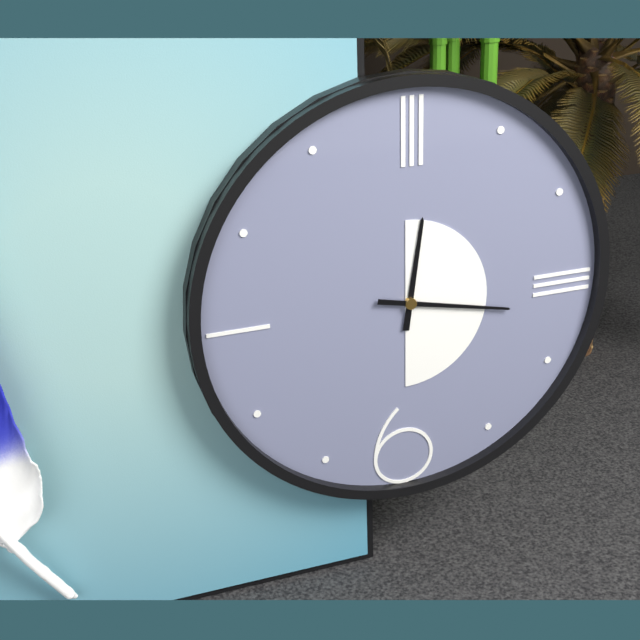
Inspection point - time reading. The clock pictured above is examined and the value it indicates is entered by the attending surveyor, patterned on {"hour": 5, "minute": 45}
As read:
{"hour": 12, "minute": 17}
